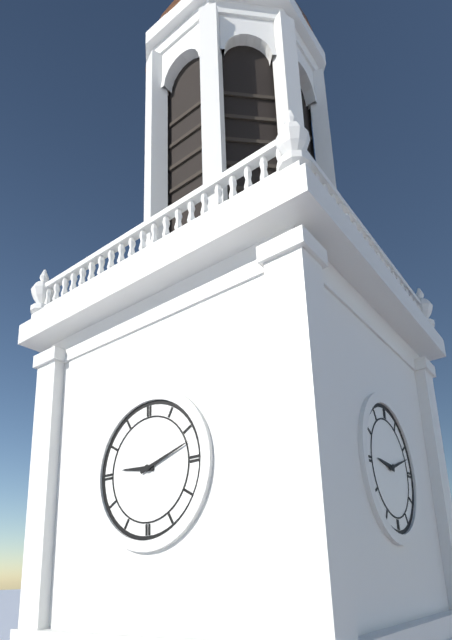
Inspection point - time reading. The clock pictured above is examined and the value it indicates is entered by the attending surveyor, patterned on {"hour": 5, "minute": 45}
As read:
{"hour": 9, "minute": 12}
